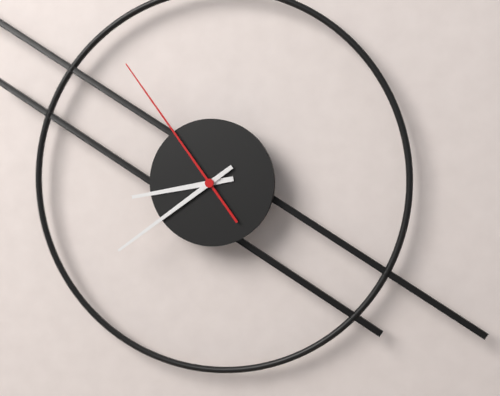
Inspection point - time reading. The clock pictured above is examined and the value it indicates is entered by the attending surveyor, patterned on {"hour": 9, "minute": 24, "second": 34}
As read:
{"hour": 8, "minute": 39, "second": 54}
